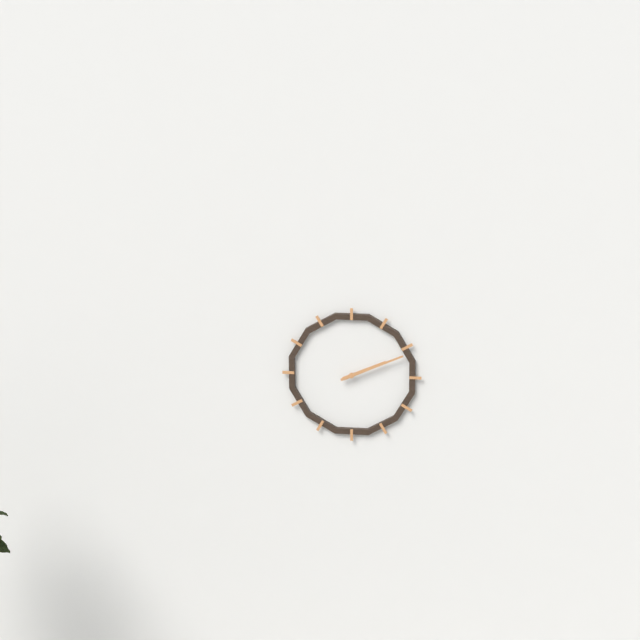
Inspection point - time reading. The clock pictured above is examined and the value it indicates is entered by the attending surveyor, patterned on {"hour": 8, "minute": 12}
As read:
{"hour": 2, "minute": 11}
